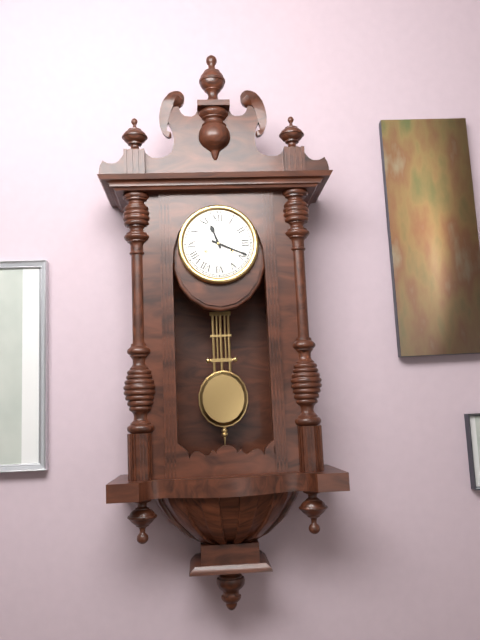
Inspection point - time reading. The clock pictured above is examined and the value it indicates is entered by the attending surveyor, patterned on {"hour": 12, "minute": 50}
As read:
{"hour": 11, "minute": 19}
